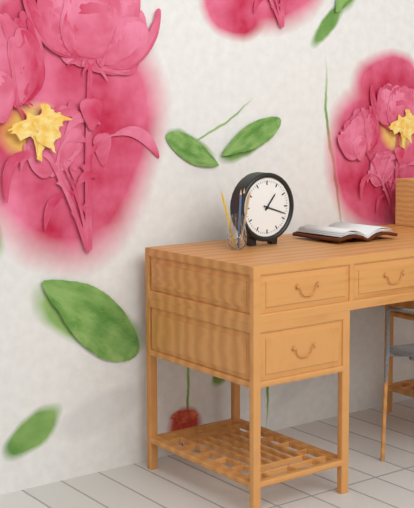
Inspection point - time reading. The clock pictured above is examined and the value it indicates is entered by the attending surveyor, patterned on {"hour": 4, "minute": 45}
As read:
{"hour": 1, "minute": 18}
